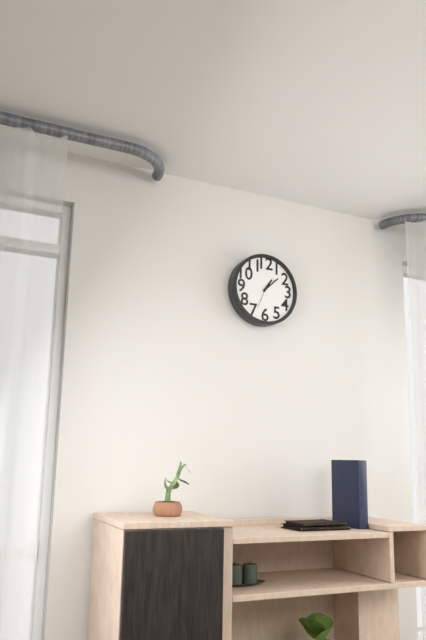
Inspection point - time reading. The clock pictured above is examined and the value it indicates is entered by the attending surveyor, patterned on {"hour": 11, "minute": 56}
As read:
{"hour": 1, "minute": 8}
